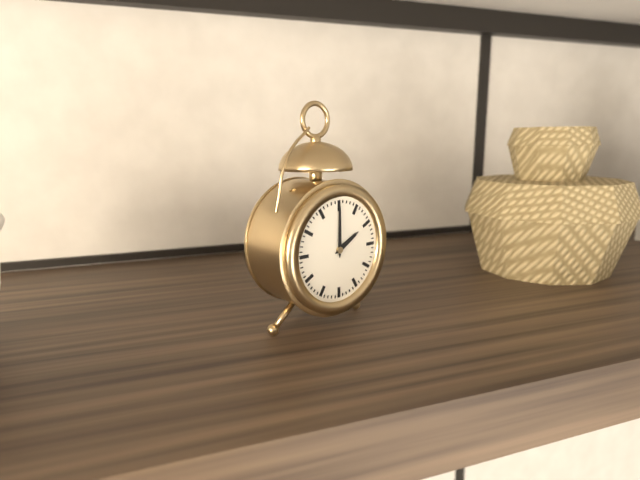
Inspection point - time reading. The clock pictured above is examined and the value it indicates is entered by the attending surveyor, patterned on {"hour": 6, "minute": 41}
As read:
{"hour": 2, "minute": 0}
